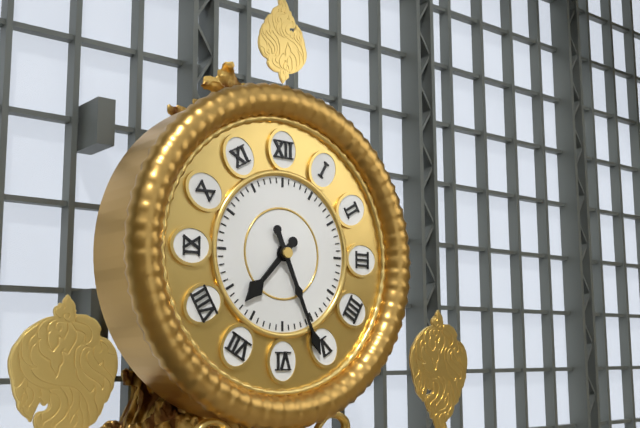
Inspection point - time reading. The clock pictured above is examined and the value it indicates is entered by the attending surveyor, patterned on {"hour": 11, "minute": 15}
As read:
{"hour": 7, "minute": 26}
